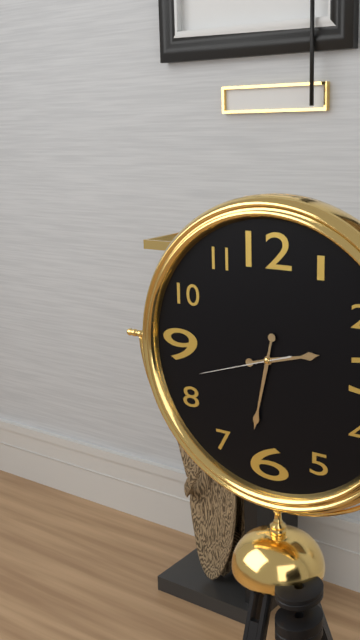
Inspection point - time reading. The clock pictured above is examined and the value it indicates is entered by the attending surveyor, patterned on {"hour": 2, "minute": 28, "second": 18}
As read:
{"hour": 2, "minute": 32, "second": 42}
